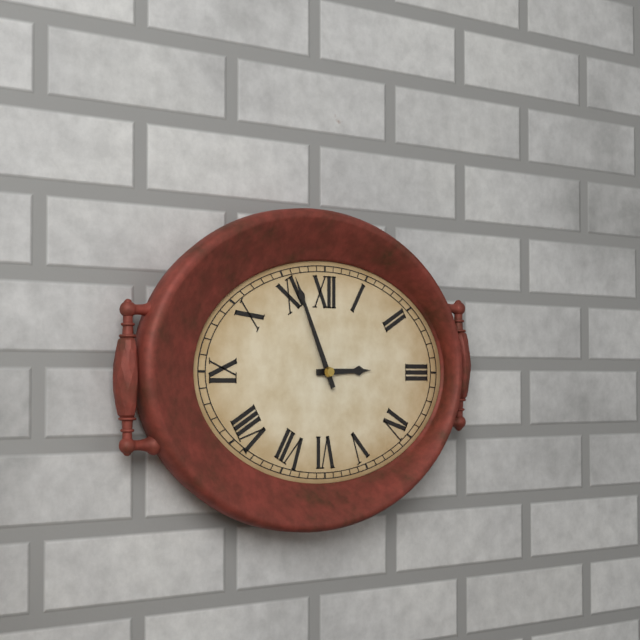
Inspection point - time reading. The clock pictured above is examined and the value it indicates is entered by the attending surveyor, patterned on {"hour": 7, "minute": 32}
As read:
{"hour": 2, "minute": 56}
